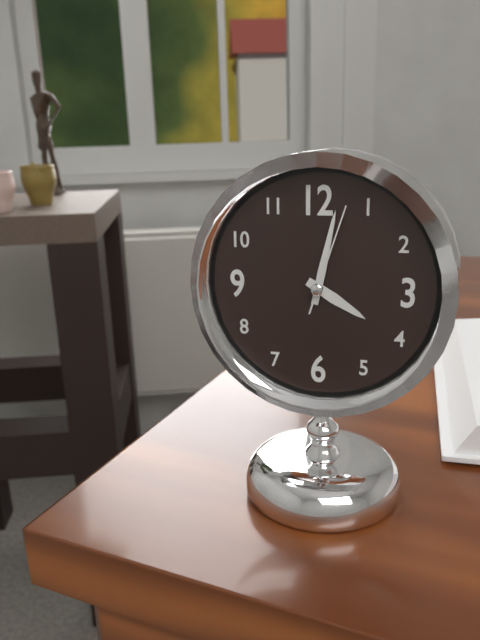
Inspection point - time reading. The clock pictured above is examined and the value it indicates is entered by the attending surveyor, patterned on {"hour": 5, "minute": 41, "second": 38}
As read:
{"hour": 4, "minute": 2, "second": 3}
